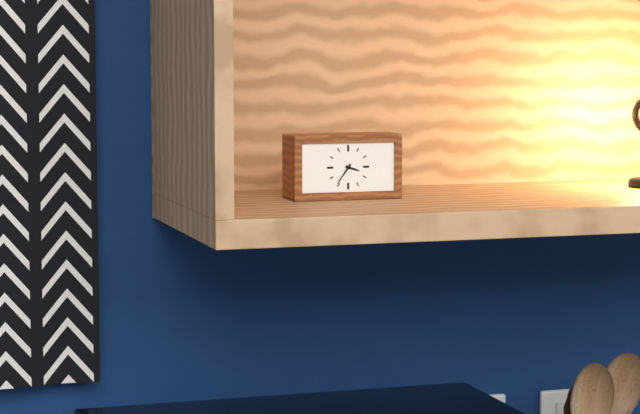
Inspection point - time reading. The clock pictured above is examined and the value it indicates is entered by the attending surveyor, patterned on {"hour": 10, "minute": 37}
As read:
{"hour": 3, "minute": 36}
